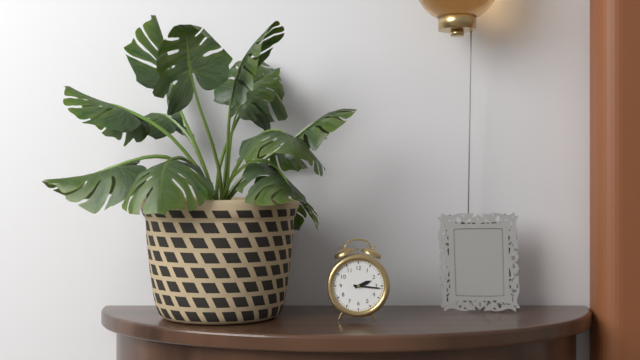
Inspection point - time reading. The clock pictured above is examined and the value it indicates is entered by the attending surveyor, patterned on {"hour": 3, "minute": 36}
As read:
{"hour": 2, "minute": 16}
